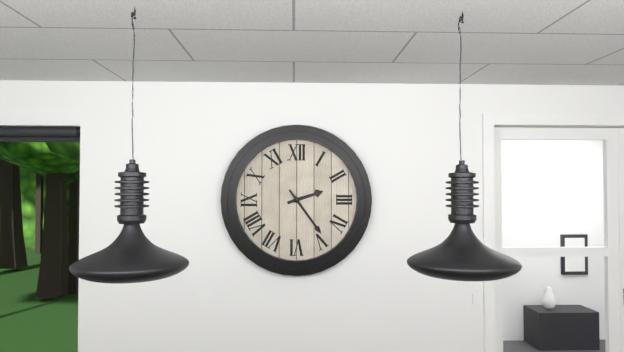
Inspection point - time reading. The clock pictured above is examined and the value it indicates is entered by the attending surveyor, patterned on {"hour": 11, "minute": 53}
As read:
{"hour": 2, "minute": 24}
